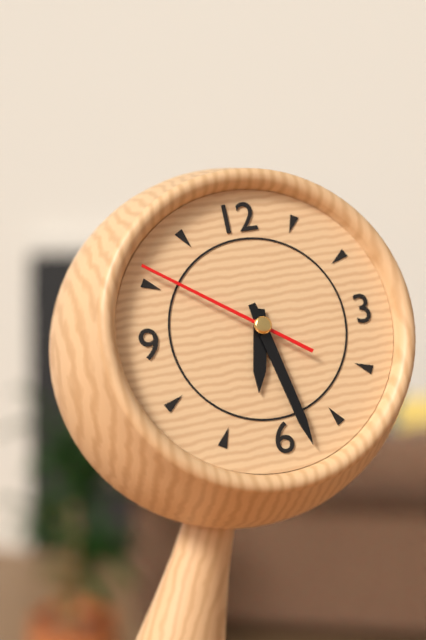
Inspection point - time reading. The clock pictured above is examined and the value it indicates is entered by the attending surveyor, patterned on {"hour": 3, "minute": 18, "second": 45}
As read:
{"hour": 6, "minute": 28, "second": 51}
